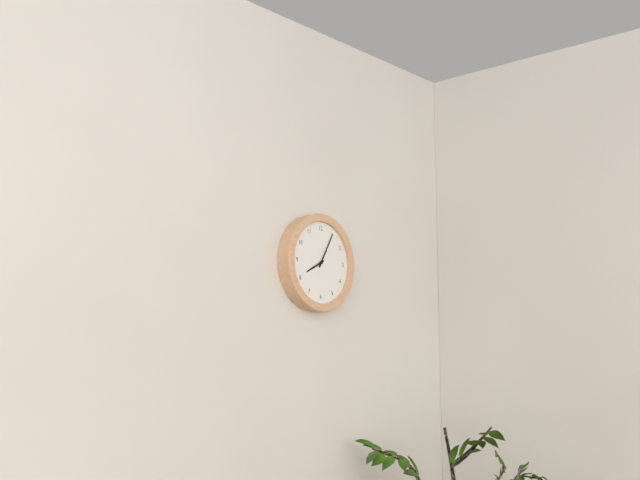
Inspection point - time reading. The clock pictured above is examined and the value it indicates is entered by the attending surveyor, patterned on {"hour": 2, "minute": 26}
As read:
{"hour": 8, "minute": 5}
